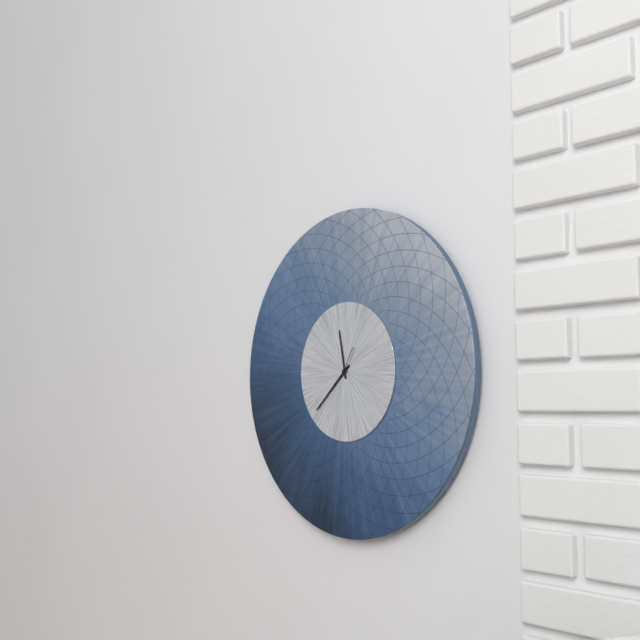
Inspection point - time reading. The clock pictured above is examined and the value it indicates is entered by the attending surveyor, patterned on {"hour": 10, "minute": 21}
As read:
{"hour": 11, "minute": 38}
